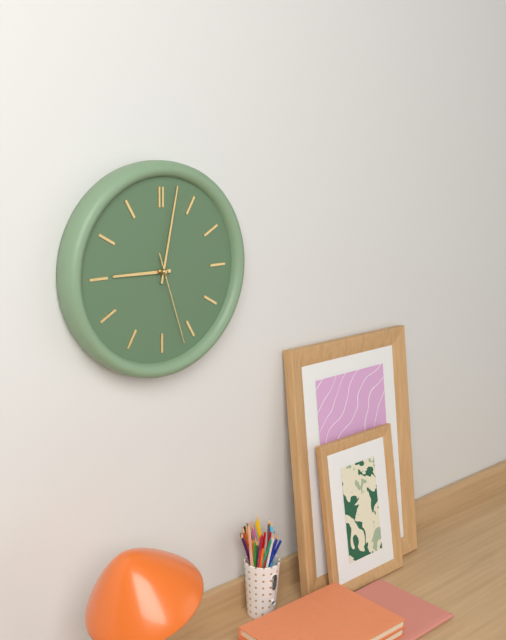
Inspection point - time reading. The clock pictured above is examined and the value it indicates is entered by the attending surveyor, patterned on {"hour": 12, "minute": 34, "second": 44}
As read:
{"hour": 9, "minute": 2, "second": 27}
